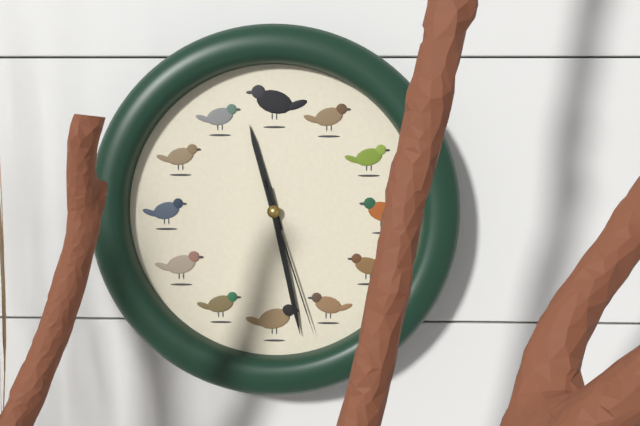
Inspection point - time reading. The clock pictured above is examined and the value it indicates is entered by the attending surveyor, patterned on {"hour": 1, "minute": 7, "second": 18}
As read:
{"hour": 11, "minute": 28, "second": 27}
